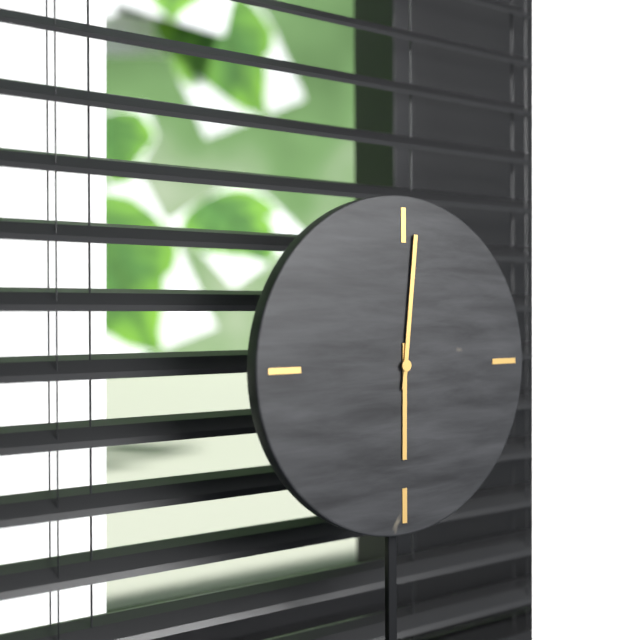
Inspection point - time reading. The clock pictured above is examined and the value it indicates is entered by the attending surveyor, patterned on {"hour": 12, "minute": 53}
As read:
{"hour": 6, "minute": 1}
